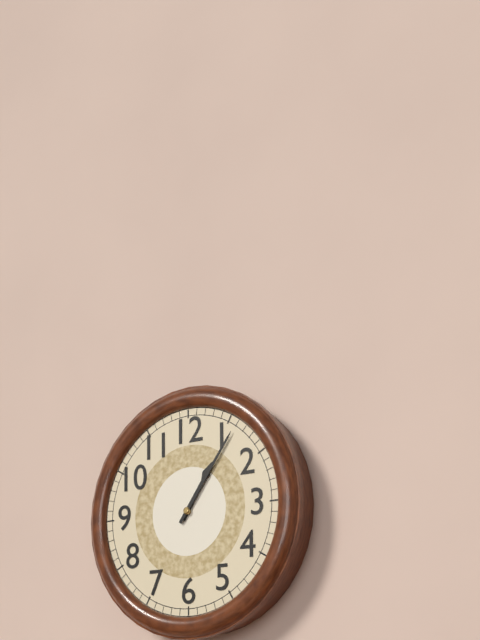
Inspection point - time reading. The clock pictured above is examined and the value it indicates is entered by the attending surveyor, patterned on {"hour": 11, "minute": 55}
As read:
{"hour": 1, "minute": 6}
